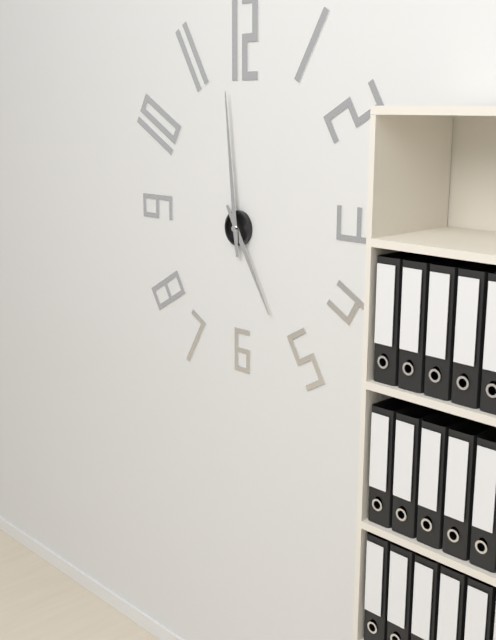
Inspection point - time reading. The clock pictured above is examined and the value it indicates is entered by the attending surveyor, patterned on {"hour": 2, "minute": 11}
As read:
{"hour": 4, "minute": 59}
